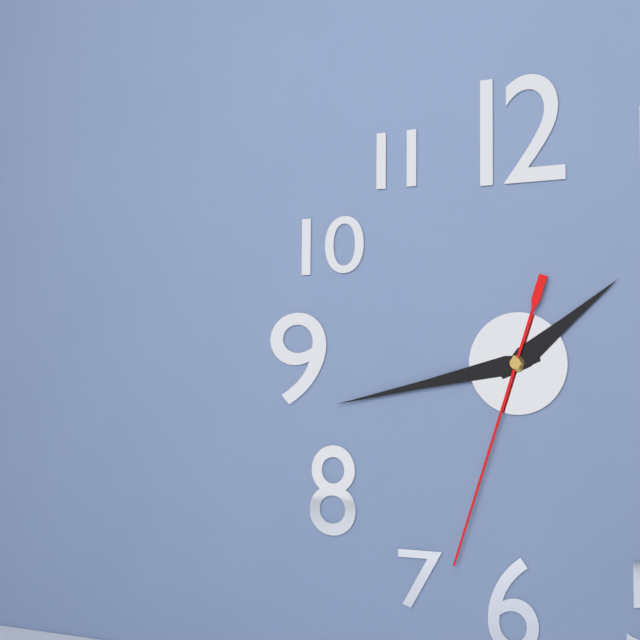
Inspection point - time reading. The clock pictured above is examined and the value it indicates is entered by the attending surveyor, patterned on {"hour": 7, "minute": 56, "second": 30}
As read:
{"hour": 1, "minute": 43, "second": 33}
